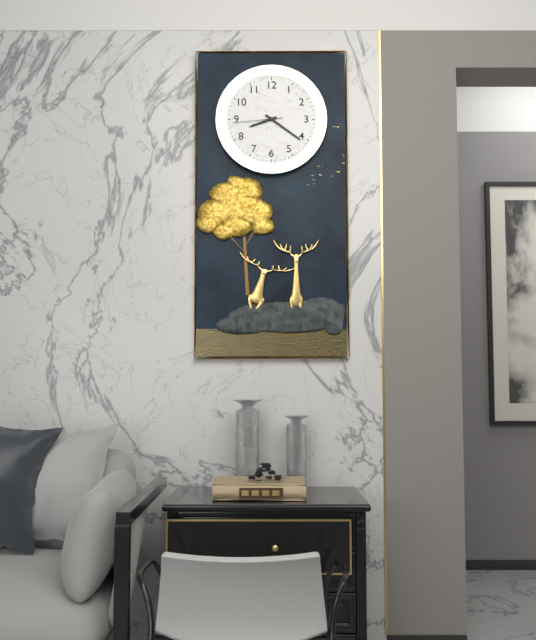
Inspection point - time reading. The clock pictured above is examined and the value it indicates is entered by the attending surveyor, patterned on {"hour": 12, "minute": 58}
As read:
{"hour": 8, "minute": 21}
